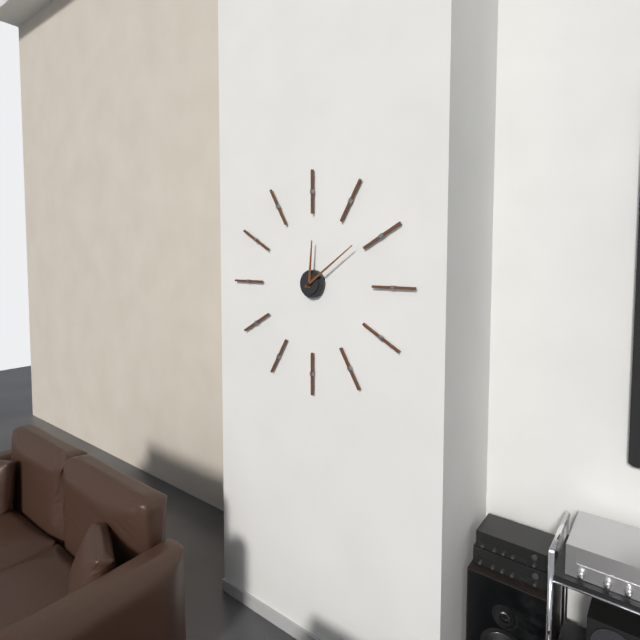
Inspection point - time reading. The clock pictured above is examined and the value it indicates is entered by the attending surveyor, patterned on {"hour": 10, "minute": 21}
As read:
{"hour": 12, "minute": 9}
